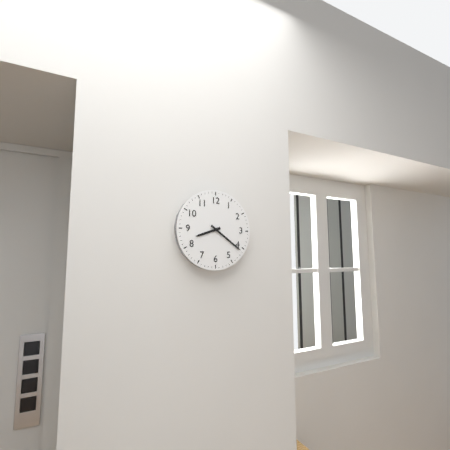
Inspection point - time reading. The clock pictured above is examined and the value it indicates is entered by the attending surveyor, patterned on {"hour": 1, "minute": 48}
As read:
{"hour": 8, "minute": 21}
